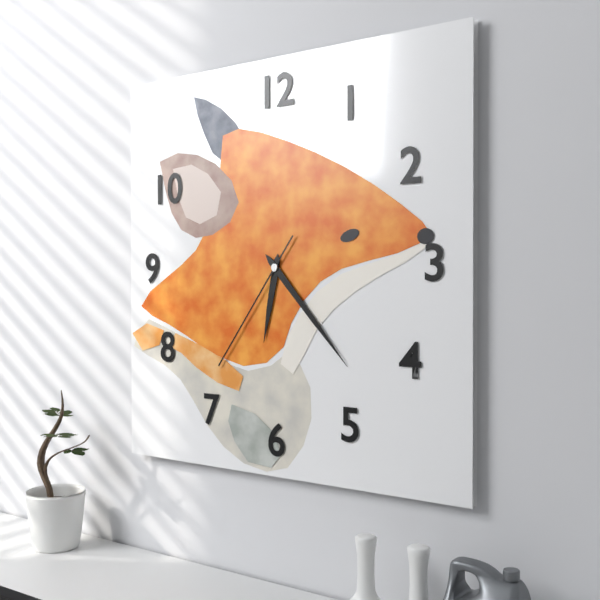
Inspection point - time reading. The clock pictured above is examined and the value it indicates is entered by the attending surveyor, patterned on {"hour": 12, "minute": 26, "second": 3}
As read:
{"hour": 6, "minute": 23, "second": 36}
